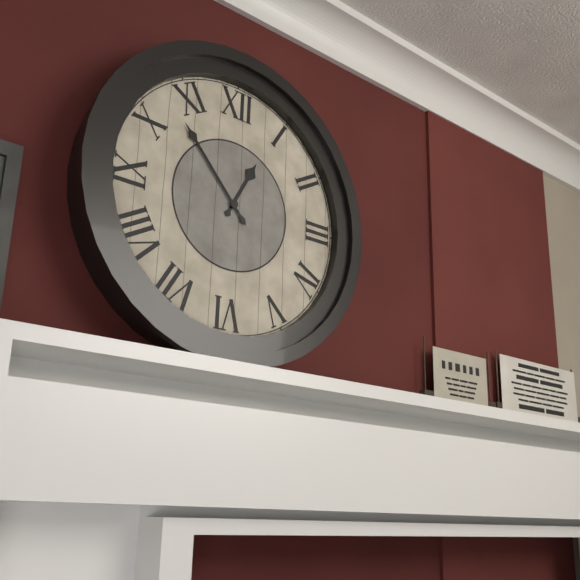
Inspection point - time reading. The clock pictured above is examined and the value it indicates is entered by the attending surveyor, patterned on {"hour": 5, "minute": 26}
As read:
{"hour": 12, "minute": 53}
